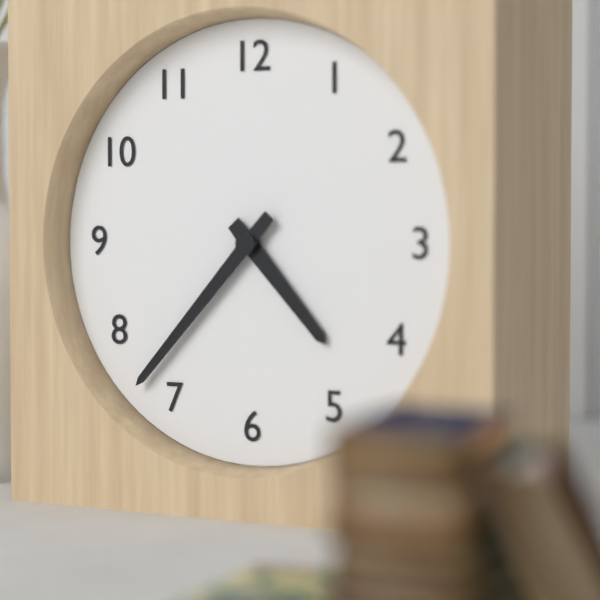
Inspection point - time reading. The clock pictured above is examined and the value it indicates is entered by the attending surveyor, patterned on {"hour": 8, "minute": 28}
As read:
{"hour": 4, "minute": 37}
